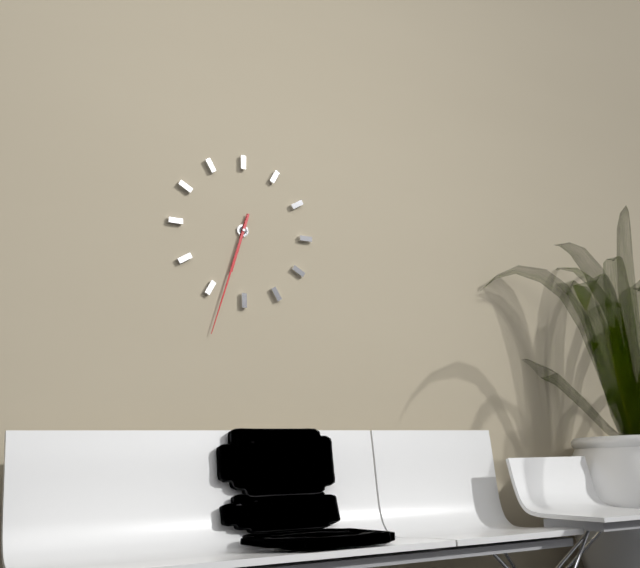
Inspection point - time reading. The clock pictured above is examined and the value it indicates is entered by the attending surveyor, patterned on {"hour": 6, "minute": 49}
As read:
{"hour": 6, "minute": 33}
